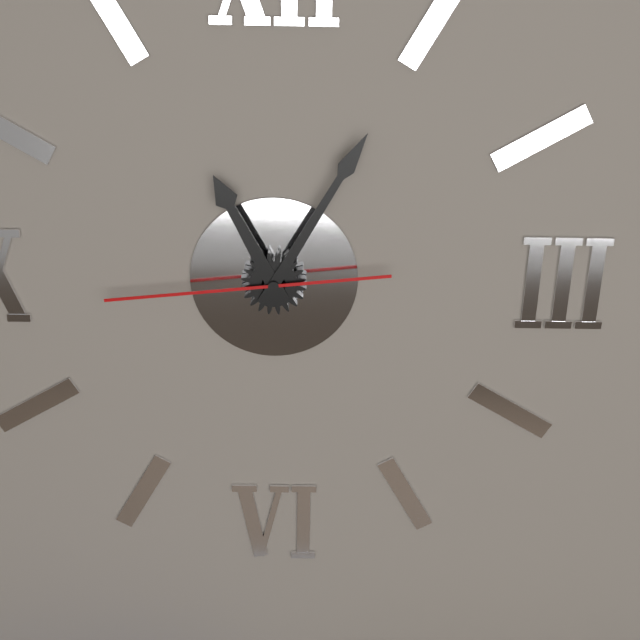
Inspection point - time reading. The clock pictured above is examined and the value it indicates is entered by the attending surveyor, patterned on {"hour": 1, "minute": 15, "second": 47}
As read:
{"hour": 11, "minute": 5, "second": 44}
